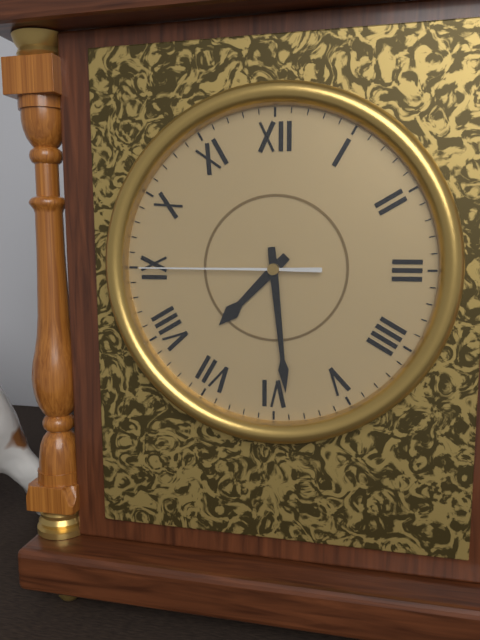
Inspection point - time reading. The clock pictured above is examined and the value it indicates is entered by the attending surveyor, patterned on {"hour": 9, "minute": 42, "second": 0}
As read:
{"hour": 7, "minute": 29, "second": 45}
